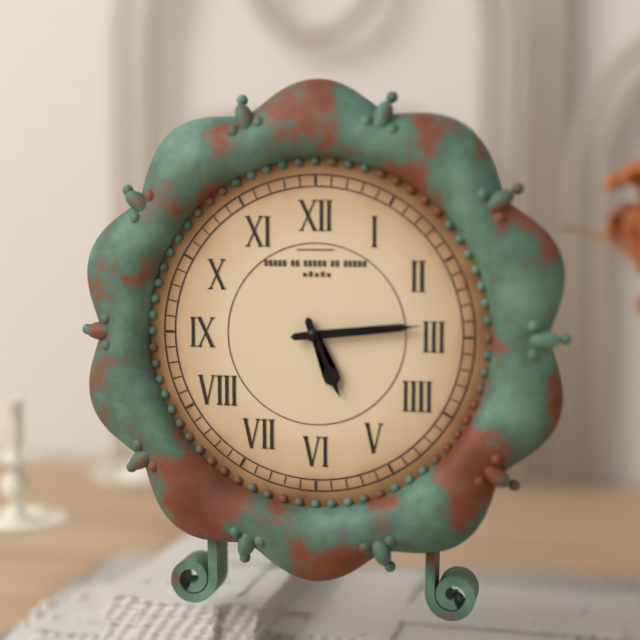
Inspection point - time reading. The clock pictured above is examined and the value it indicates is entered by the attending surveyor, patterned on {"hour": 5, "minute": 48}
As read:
{"hour": 5, "minute": 14}
